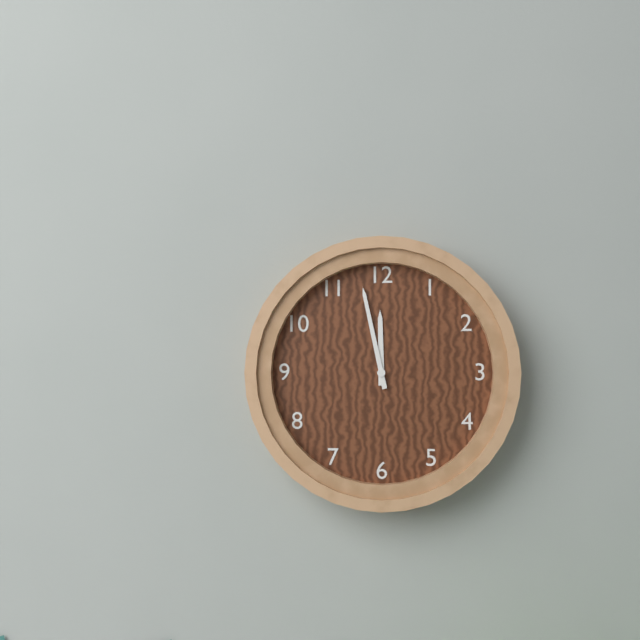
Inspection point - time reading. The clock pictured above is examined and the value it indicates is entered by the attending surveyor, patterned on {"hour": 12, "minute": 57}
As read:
{"hour": 11, "minute": 58}
